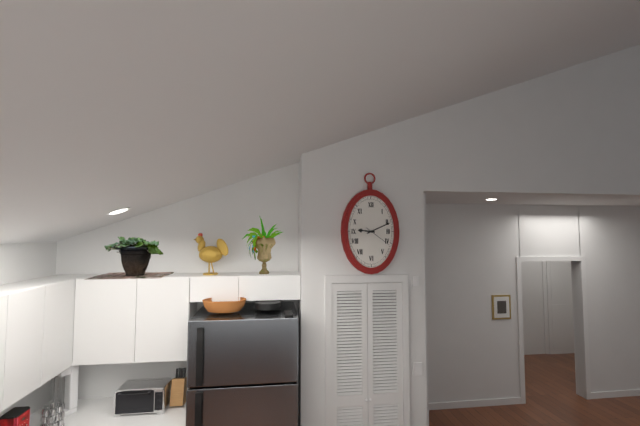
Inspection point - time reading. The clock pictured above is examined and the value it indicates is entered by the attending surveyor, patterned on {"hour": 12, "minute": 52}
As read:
{"hour": 9, "minute": 11}
